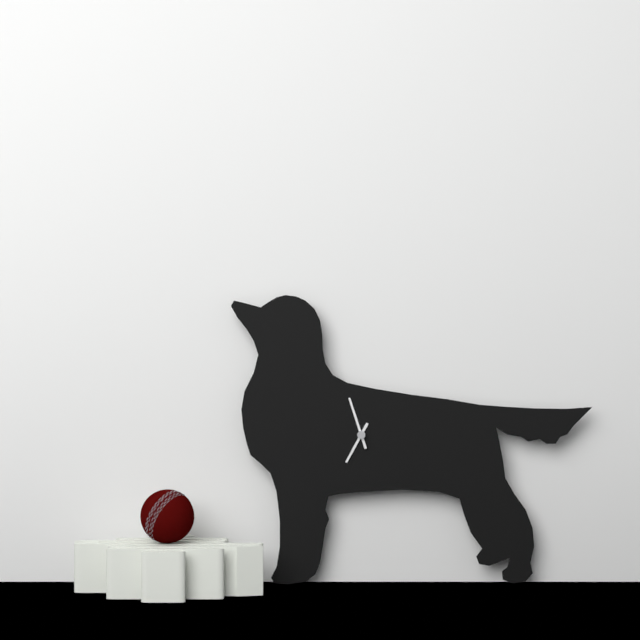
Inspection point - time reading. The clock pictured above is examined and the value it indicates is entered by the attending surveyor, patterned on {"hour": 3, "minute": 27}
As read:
{"hour": 6, "minute": 57}
